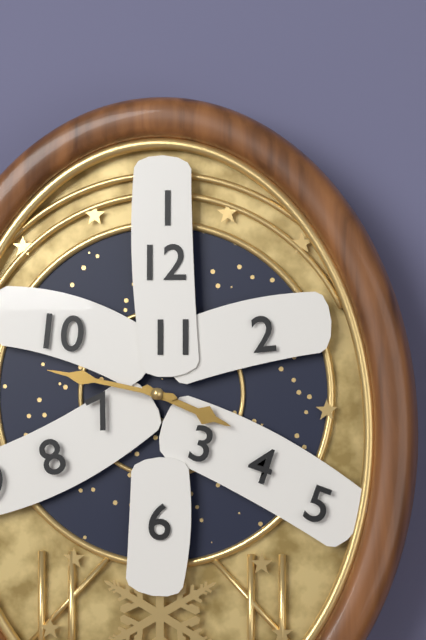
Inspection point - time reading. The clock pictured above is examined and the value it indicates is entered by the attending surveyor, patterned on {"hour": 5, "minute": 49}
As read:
{"hour": 3, "minute": 47}
